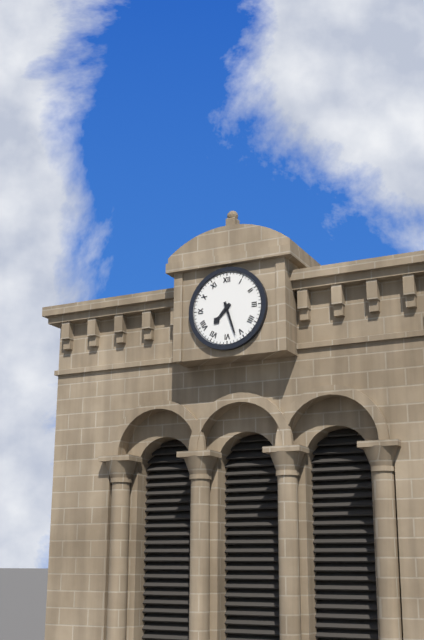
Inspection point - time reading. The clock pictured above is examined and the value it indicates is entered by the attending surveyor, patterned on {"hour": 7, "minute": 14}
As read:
{"hour": 7, "minute": 27}
